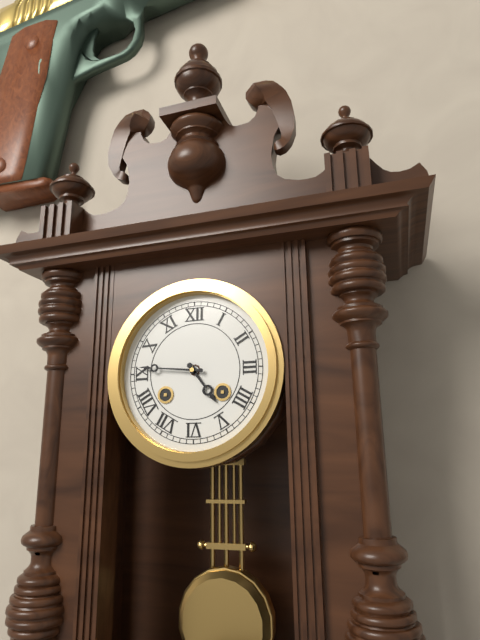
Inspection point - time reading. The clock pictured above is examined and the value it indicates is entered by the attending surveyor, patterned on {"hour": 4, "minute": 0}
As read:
{"hour": 4, "minute": 46}
